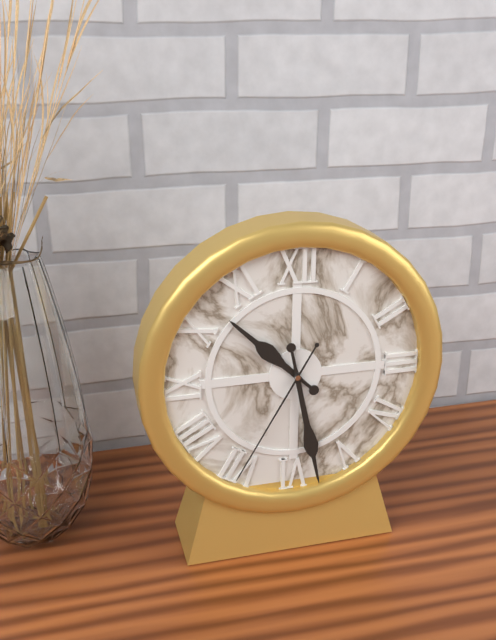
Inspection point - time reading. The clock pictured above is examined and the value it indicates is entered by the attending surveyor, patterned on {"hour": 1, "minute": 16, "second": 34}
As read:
{"hour": 10, "minute": 28, "second": 35}
